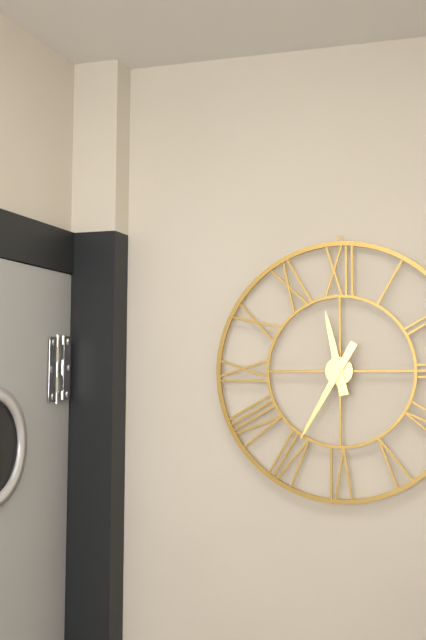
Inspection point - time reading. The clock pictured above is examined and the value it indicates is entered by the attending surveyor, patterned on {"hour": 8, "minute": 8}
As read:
{"hour": 11, "minute": 35}
